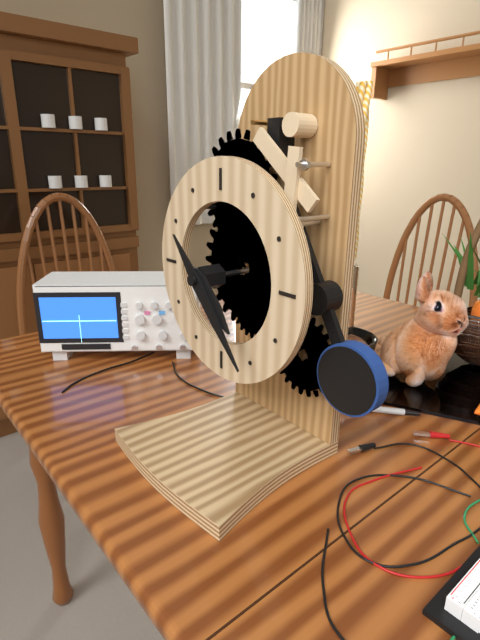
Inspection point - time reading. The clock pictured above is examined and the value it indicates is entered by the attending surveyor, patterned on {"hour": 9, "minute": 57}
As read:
{"hour": 4, "minute": 23}
